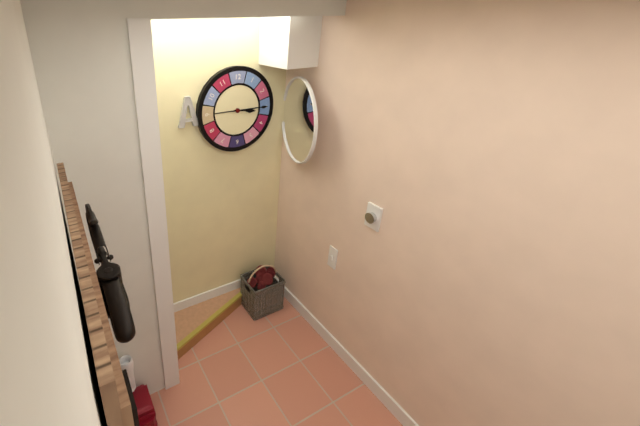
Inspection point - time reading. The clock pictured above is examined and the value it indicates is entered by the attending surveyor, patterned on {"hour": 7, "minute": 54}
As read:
{"hour": 3, "minute": 15}
